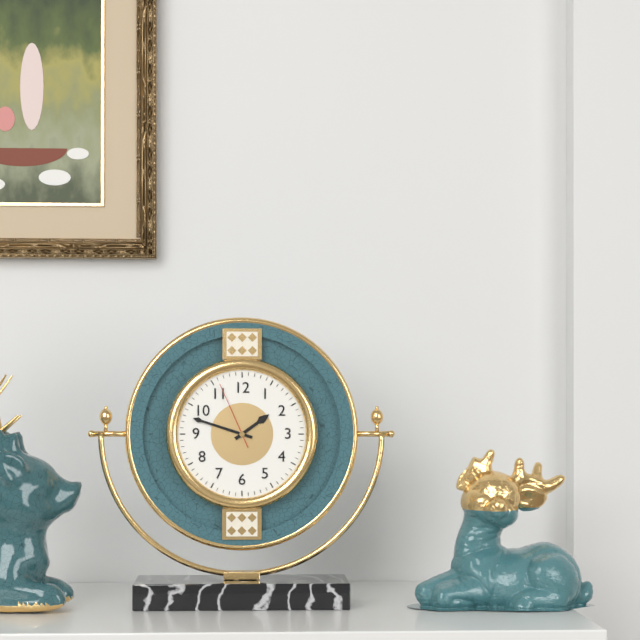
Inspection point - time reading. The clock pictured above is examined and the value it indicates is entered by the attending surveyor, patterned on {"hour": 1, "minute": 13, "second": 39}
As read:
{"hour": 1, "minute": 48, "second": 56}
